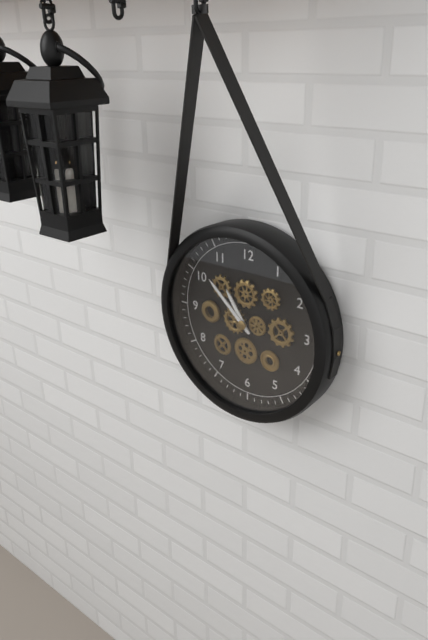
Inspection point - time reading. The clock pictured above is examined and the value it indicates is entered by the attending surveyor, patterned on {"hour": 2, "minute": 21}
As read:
{"hour": 10, "minute": 52}
